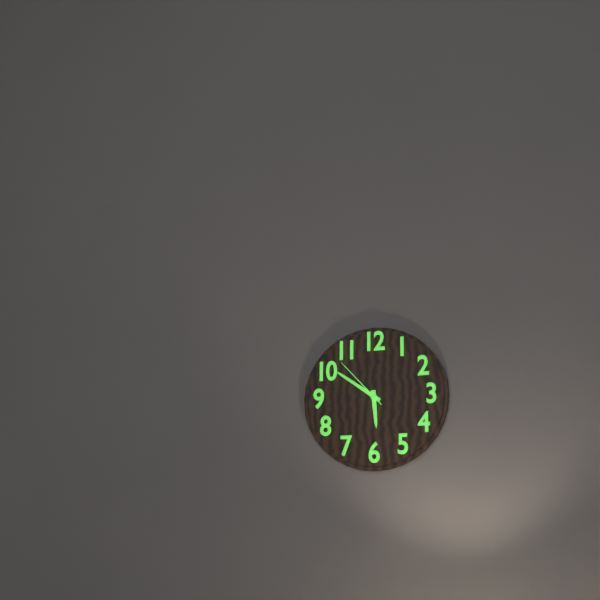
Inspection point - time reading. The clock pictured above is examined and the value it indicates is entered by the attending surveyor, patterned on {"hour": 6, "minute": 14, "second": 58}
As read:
{"hour": 5, "minute": 51, "second": 53}
